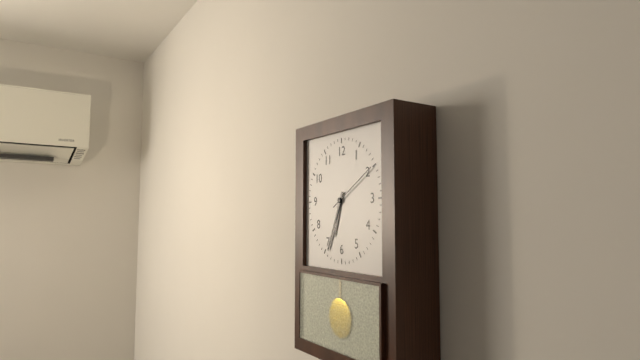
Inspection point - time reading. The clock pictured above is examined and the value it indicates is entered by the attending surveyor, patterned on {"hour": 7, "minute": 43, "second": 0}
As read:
{"hour": 6, "minute": 34, "second": 10}
